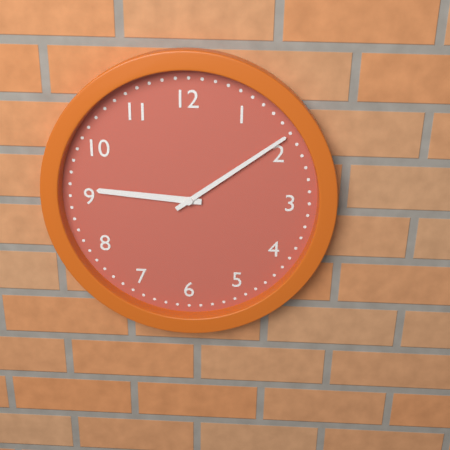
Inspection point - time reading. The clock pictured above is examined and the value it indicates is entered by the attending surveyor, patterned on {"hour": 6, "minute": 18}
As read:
{"hour": 9, "minute": 9}
